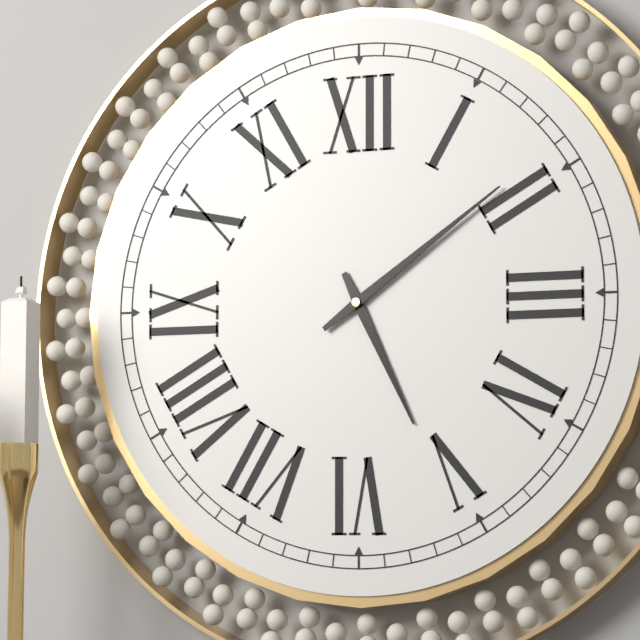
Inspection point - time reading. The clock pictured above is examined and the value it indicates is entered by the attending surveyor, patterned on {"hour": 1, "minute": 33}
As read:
{"hour": 5, "minute": 9}
